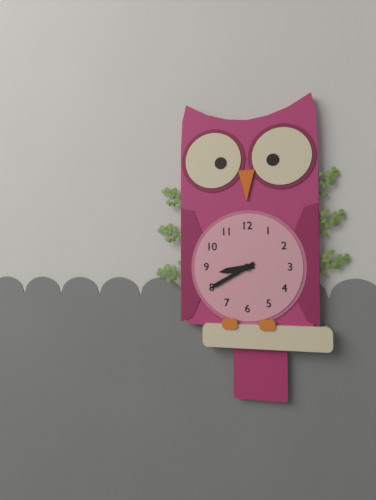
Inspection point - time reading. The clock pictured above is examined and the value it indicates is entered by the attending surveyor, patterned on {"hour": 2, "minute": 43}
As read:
{"hour": 8, "minute": 40}
